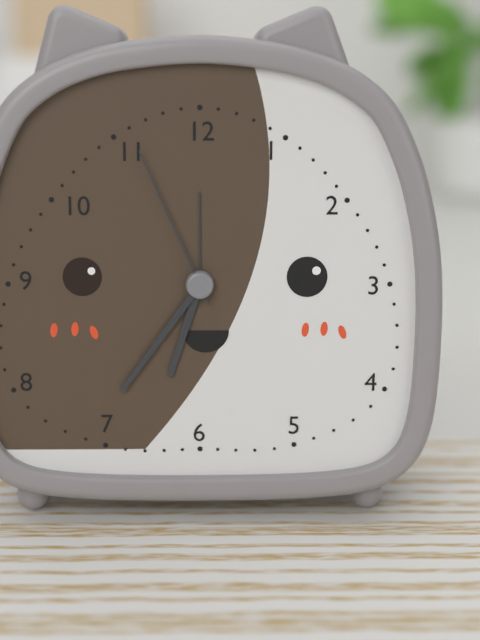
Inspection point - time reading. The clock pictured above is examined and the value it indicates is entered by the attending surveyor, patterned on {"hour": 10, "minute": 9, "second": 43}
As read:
{"hour": 6, "minute": 36, "second": 56}
